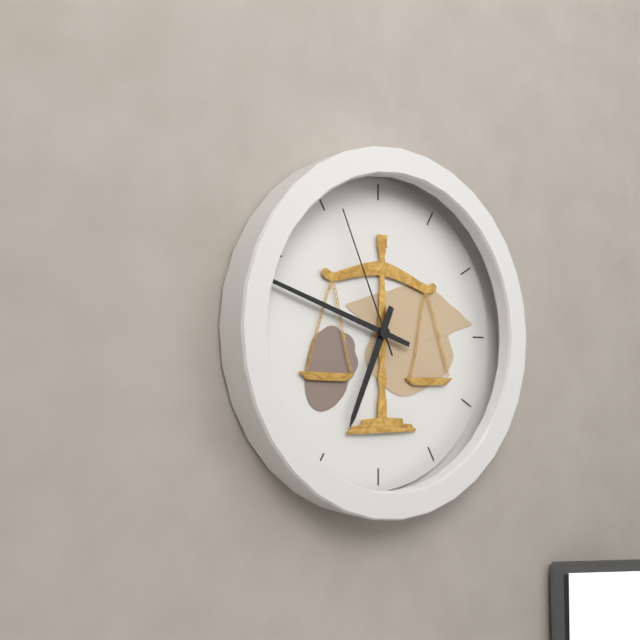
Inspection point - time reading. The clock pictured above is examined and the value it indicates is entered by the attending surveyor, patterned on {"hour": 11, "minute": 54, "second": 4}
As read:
{"hour": 6, "minute": 48, "second": 56}
